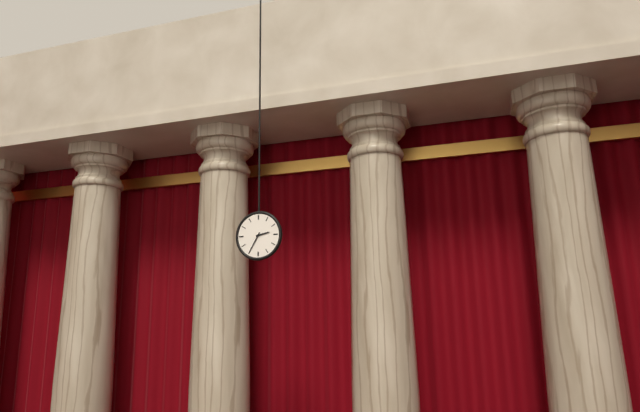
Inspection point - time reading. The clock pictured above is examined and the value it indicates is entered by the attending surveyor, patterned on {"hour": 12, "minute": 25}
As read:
{"hour": 2, "minute": 35}
